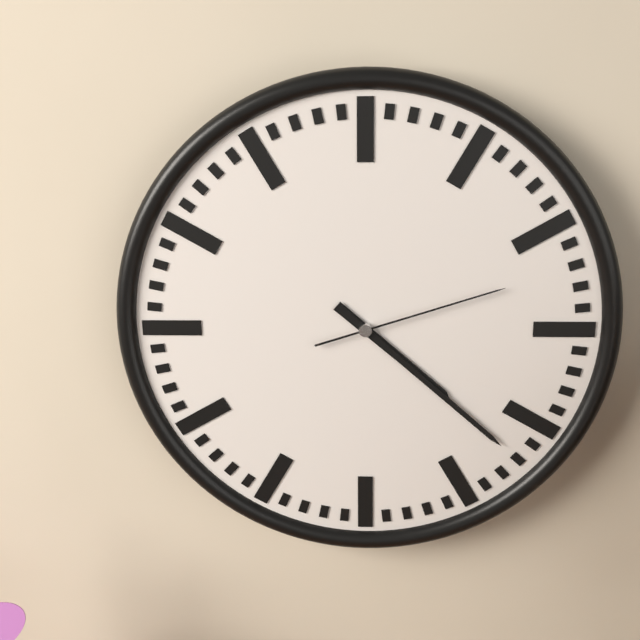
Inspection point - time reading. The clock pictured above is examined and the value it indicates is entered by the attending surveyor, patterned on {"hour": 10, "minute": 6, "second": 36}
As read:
{"hour": 4, "minute": 22, "second": 12}
